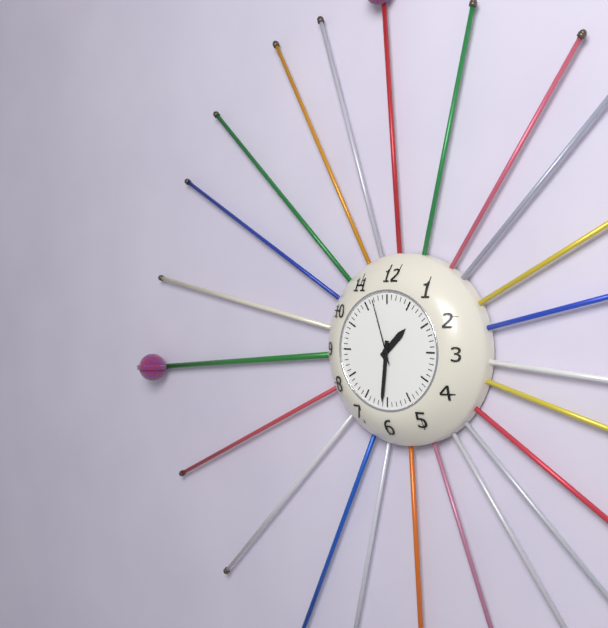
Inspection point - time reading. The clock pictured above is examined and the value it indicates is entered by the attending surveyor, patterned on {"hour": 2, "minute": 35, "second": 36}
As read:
{"hour": 1, "minute": 31, "second": 57}
